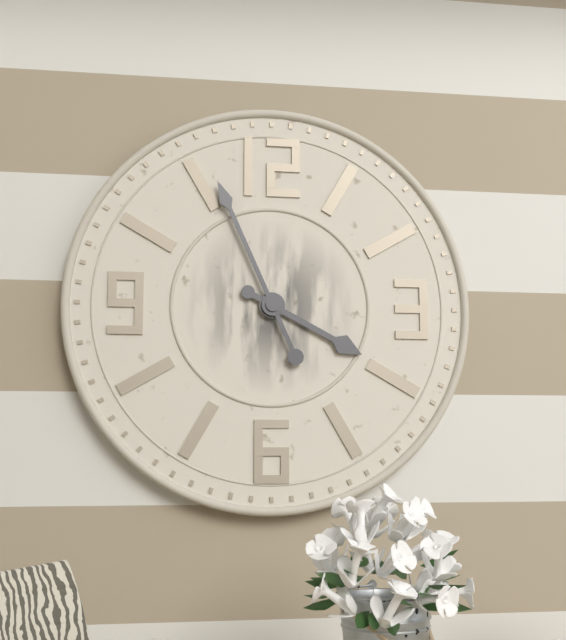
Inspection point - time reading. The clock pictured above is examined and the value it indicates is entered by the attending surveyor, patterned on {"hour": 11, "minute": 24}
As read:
{"hour": 3, "minute": 56}
